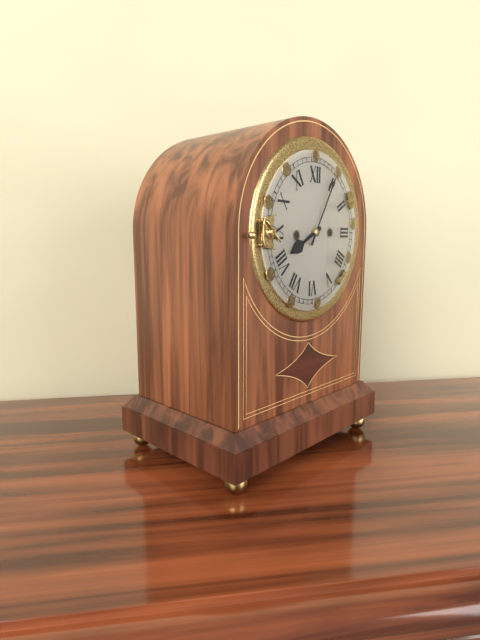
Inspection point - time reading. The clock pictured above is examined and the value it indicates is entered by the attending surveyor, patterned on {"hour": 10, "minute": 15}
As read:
{"hour": 8, "minute": 5}
